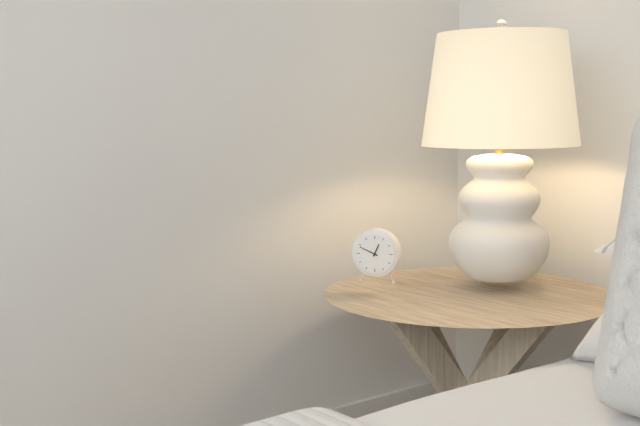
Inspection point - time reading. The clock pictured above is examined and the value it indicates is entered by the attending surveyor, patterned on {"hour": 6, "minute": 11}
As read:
{"hour": 12, "minute": 49}
